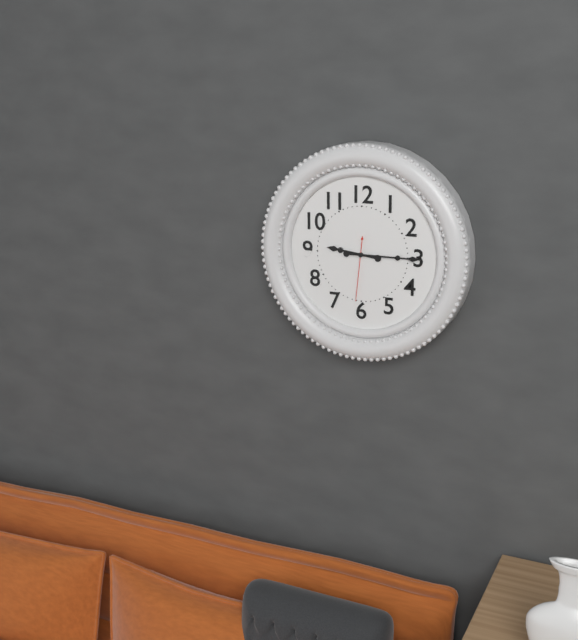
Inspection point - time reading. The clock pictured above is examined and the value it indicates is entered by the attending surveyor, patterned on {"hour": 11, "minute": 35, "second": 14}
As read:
{"hour": 9, "minute": 15, "second": 31}
